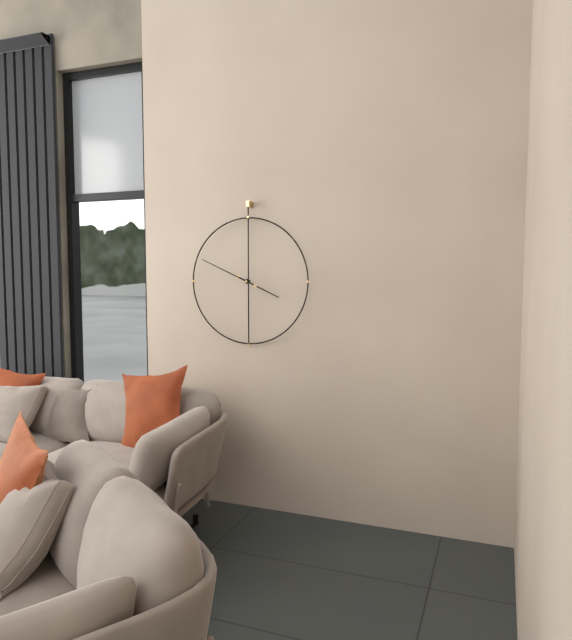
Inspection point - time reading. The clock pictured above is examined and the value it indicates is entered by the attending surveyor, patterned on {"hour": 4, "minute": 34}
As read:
{"hour": 3, "minute": 49}
